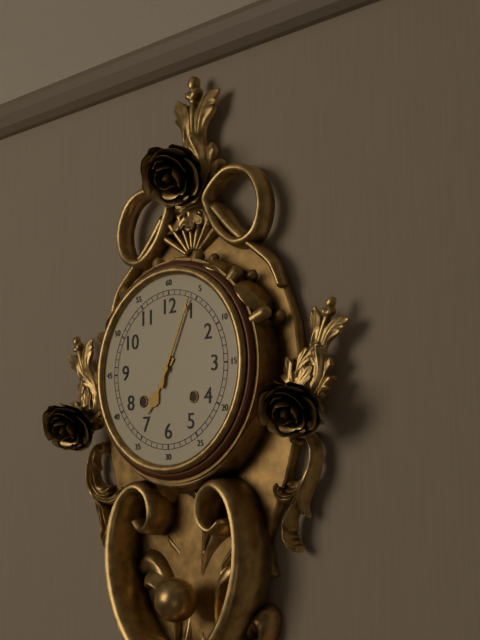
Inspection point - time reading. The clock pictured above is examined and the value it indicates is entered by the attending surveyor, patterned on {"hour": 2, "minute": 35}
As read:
{"hour": 7, "minute": 4}
